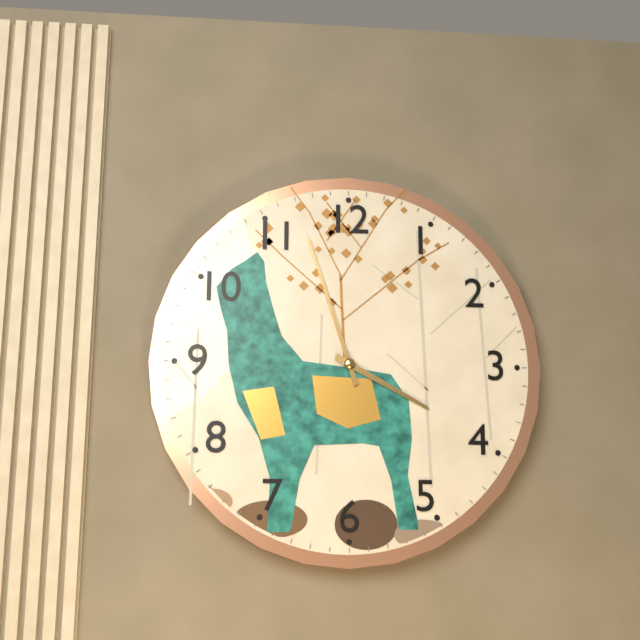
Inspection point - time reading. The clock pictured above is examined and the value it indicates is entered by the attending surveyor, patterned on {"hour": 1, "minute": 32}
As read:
{"hour": 3, "minute": 57}
